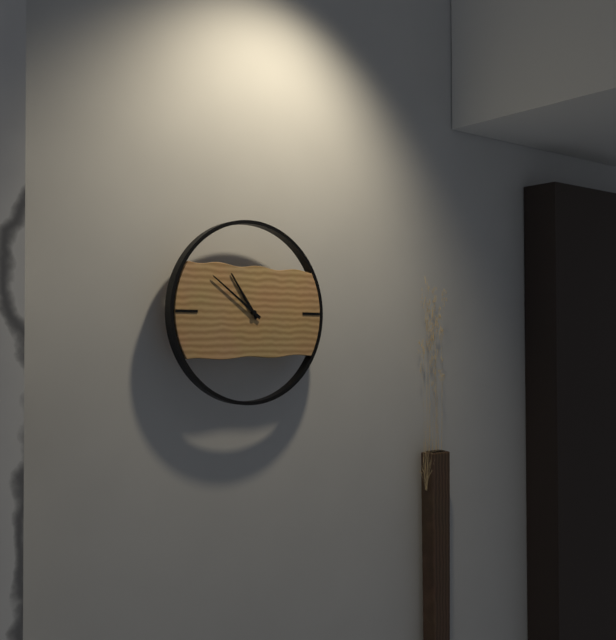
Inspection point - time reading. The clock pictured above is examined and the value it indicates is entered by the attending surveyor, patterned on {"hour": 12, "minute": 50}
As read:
{"hour": 10, "minute": 51}
